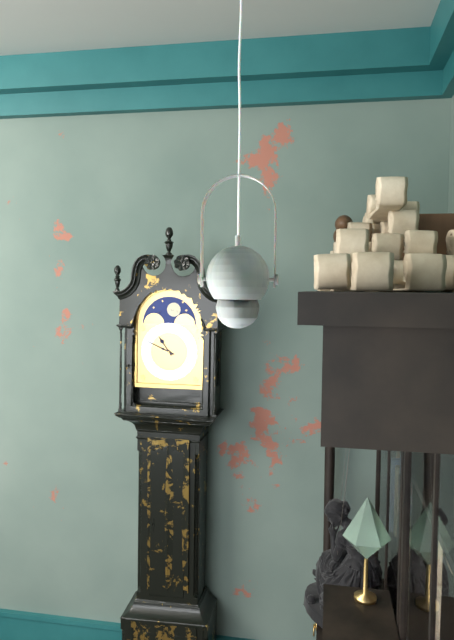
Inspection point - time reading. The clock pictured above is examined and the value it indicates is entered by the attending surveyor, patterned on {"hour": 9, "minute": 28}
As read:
{"hour": 10, "minute": 49}
